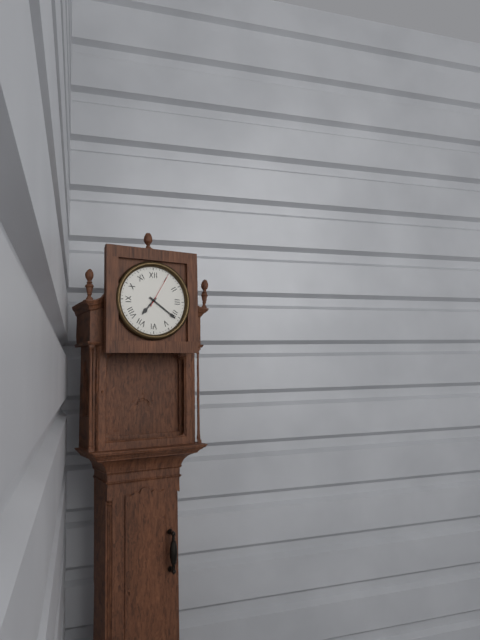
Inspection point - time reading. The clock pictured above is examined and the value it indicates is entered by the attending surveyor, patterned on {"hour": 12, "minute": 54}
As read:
{"hour": 7, "minute": 21}
